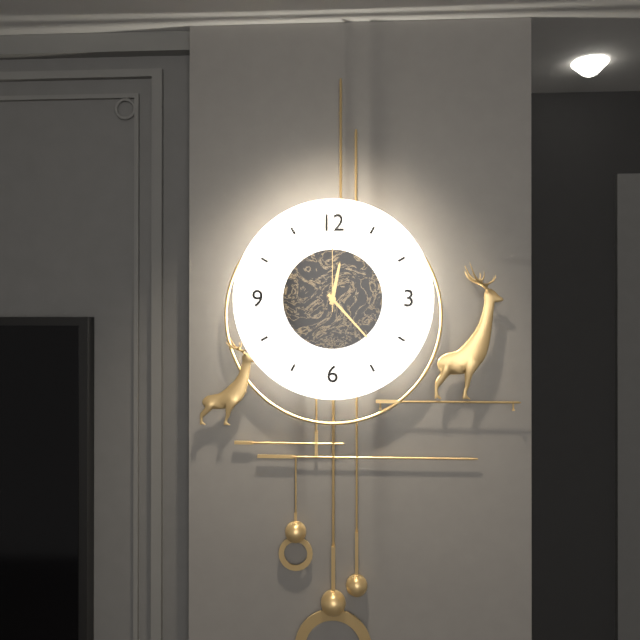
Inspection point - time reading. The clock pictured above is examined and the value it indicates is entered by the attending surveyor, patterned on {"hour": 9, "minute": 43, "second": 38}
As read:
{"hour": 12, "minute": 23, "second": 0}
